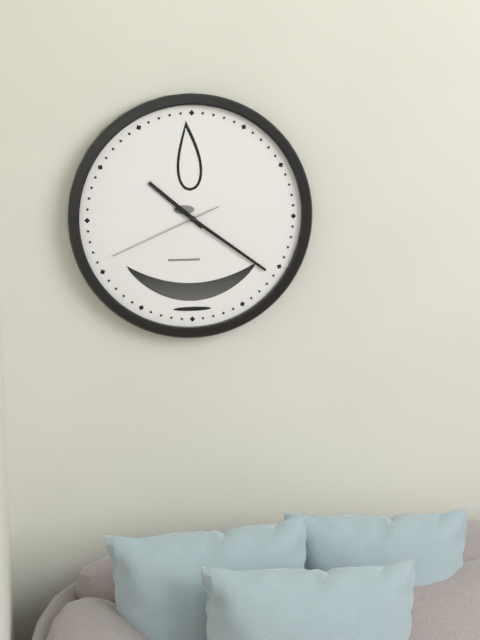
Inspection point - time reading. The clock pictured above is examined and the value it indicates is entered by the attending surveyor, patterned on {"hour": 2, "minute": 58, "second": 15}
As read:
{"hour": 10, "minute": 21, "second": 41}
